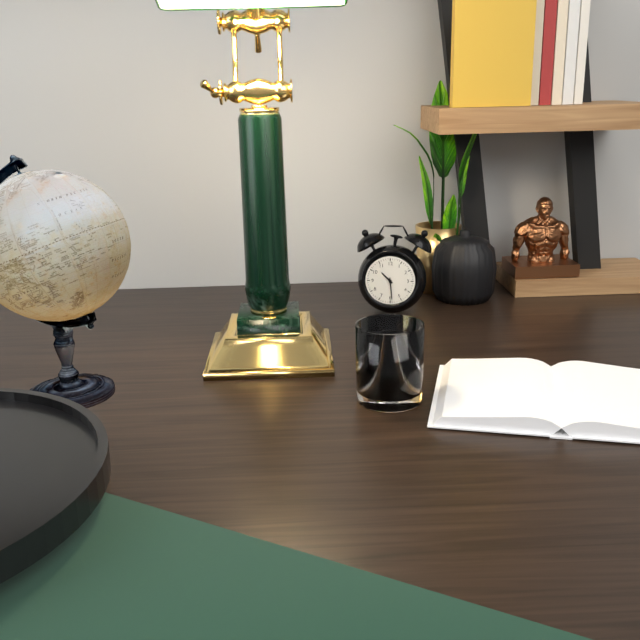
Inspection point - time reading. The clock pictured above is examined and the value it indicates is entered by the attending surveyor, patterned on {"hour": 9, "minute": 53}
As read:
{"hour": 10, "minute": 29}
